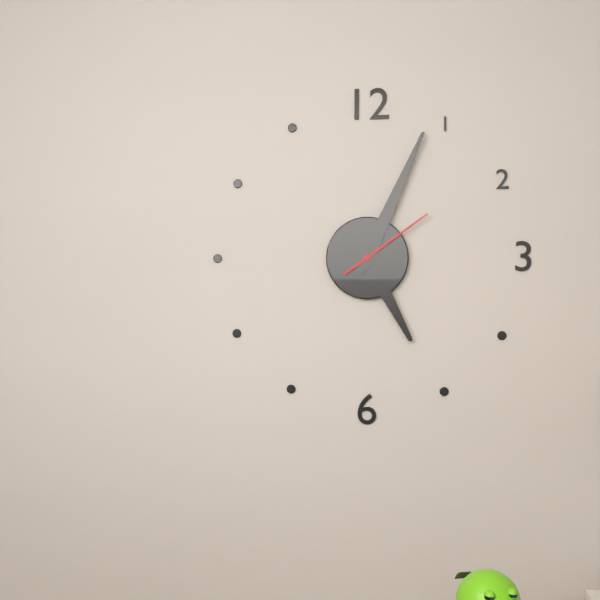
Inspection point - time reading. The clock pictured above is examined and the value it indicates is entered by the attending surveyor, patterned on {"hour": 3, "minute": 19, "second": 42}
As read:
{"hour": 5, "minute": 4, "second": 9}
